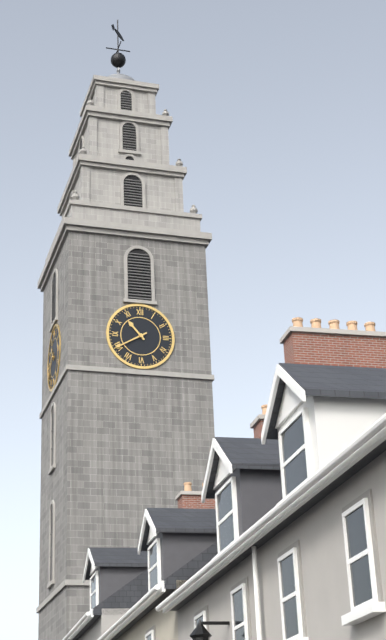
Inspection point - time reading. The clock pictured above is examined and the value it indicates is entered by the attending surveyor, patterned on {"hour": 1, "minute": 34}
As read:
{"hour": 10, "minute": 40}
